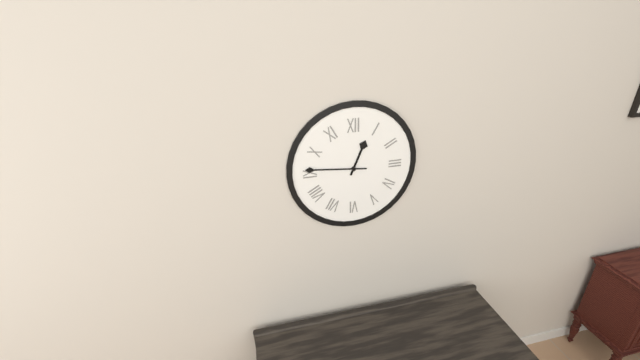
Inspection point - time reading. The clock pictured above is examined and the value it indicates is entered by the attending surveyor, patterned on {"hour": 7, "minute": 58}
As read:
{"hour": 12, "minute": 46}
